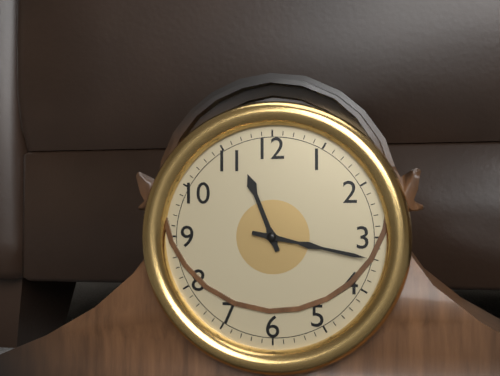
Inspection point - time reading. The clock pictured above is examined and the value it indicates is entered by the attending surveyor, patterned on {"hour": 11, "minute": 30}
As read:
{"hour": 11, "minute": 17}
